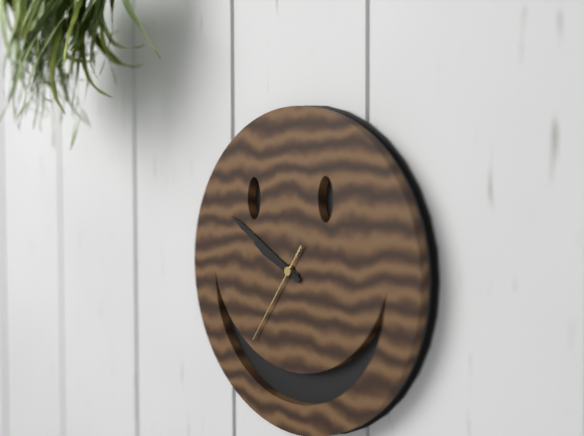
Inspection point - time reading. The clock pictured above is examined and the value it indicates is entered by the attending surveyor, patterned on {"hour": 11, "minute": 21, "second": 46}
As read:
{"hour": 9, "minute": 50, "second": 36}
